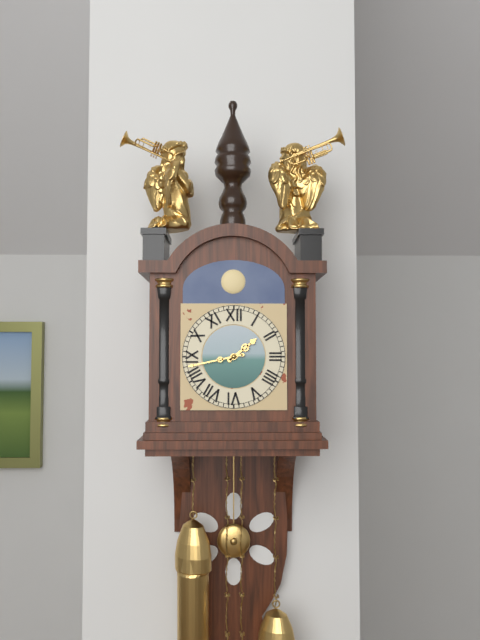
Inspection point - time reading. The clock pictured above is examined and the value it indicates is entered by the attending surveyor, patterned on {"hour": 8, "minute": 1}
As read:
{"hour": 1, "minute": 43}
